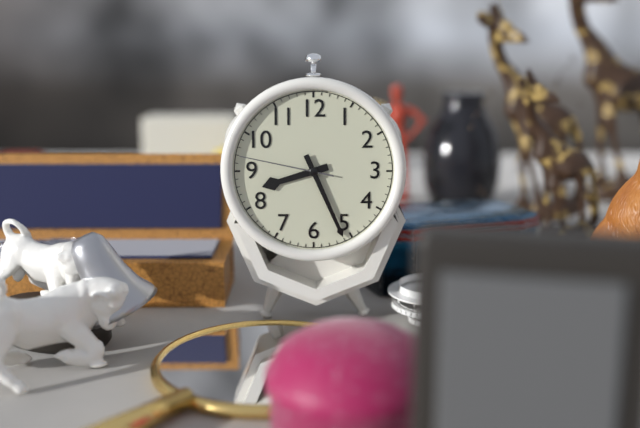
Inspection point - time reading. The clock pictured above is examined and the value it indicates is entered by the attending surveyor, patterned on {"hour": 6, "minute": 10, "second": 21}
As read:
{"hour": 8, "minute": 26, "second": 47}
